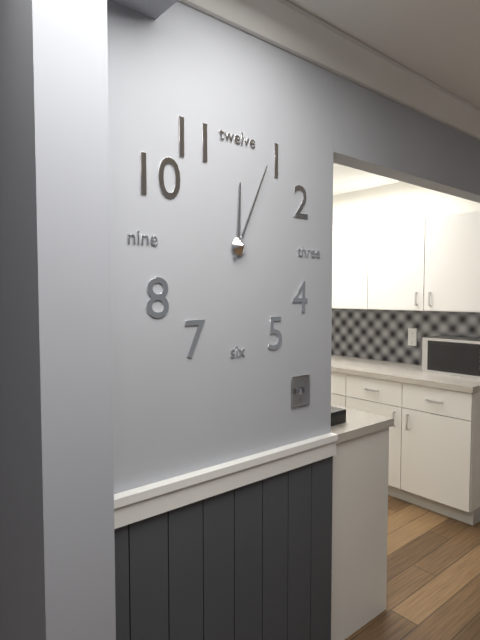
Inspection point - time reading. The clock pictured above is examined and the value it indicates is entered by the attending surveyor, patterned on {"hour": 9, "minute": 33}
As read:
{"hour": 12, "minute": 4}
